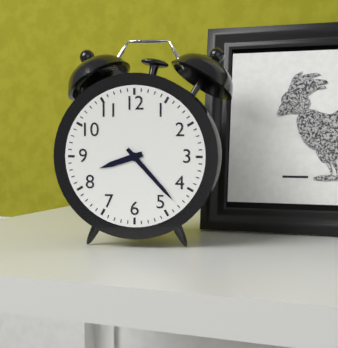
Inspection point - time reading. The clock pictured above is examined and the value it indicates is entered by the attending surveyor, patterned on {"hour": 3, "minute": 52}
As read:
{"hour": 8, "minute": 23}
